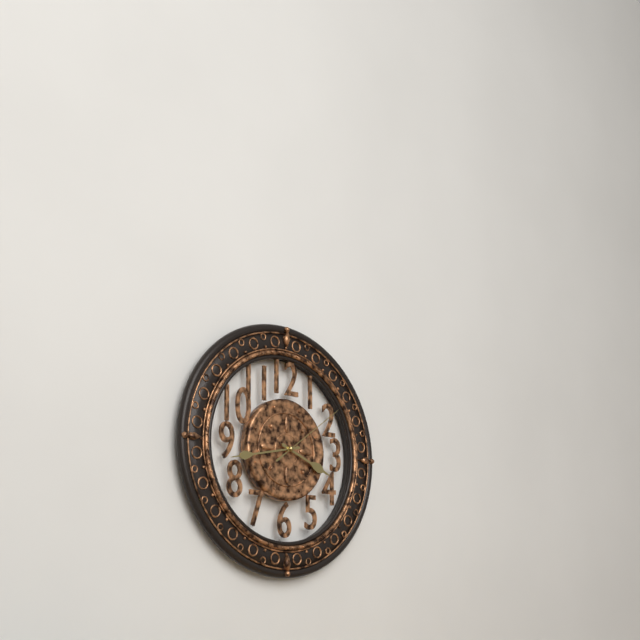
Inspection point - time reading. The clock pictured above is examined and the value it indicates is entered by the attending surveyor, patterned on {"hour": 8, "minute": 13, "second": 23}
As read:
{"hour": 3, "minute": 43, "second": 9}
